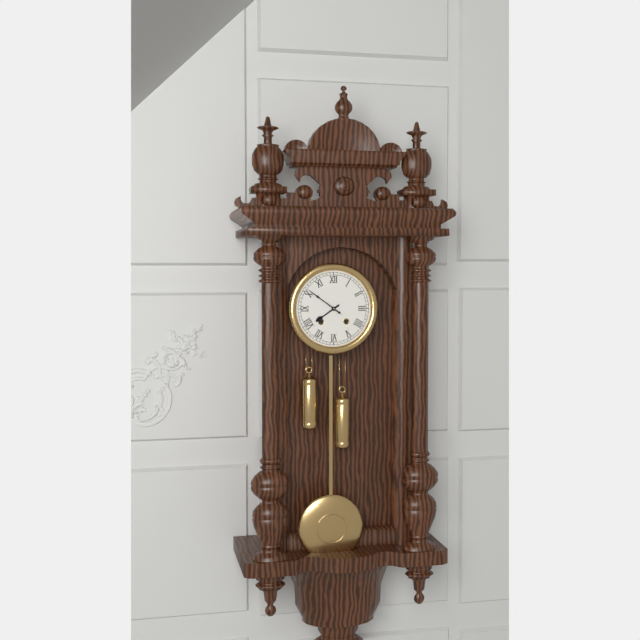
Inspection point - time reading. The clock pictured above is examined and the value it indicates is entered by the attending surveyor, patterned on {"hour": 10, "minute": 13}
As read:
{"hour": 7, "minute": 51}
